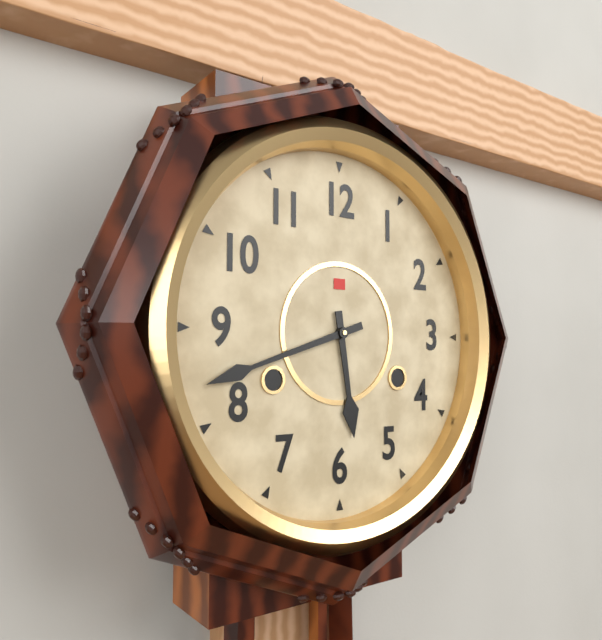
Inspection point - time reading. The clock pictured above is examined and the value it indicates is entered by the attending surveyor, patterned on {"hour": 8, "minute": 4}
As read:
{"hour": 5, "minute": 42}
